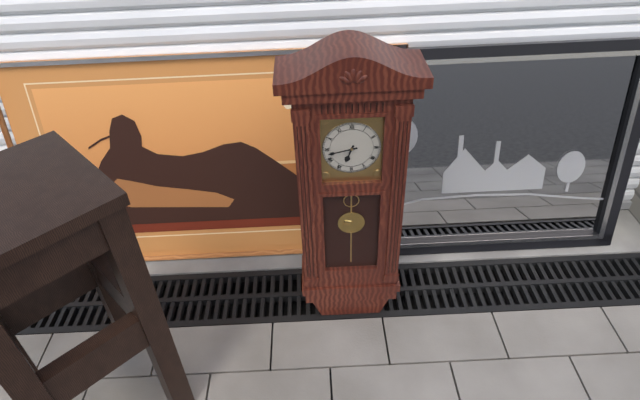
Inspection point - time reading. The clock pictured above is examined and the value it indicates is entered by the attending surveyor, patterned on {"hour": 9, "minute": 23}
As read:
{"hour": 6, "minute": 43}
